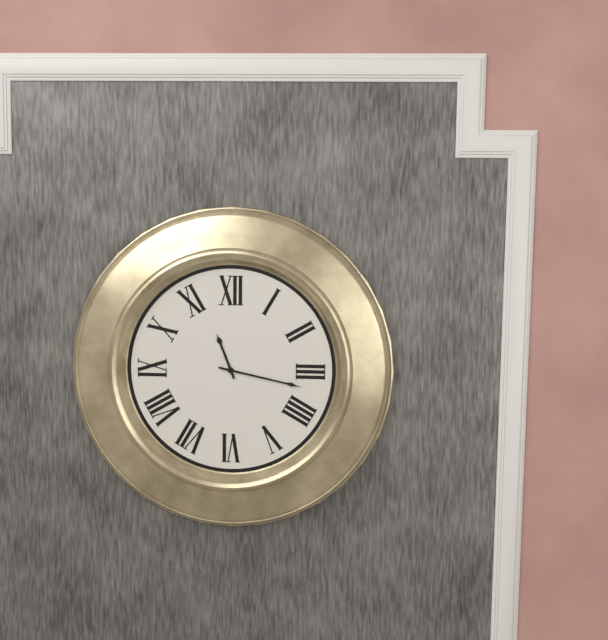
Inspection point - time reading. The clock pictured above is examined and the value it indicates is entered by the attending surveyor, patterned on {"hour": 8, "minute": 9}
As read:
{"hour": 11, "minute": 17}
